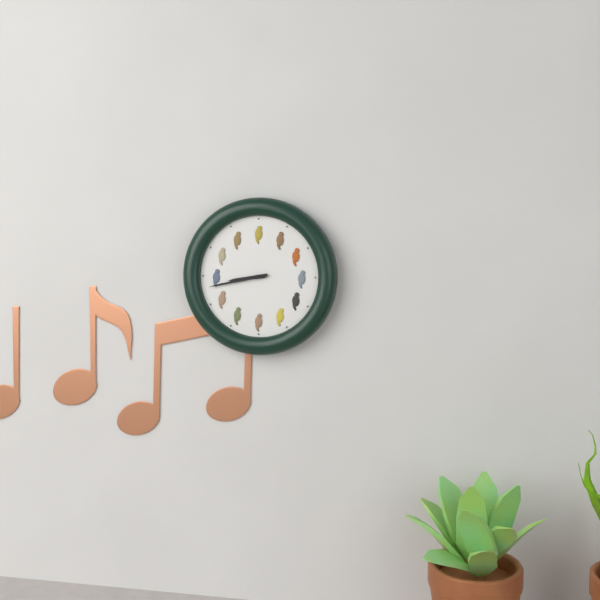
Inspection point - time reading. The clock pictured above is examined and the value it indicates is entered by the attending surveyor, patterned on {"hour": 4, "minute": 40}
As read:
{"hour": 8, "minute": 43}
